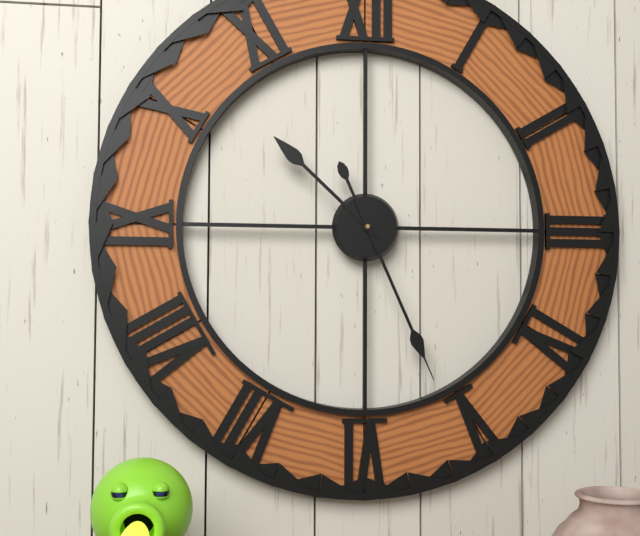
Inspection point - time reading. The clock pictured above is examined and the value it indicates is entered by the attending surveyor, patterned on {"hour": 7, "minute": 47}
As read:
{"hour": 10, "minute": 26}
